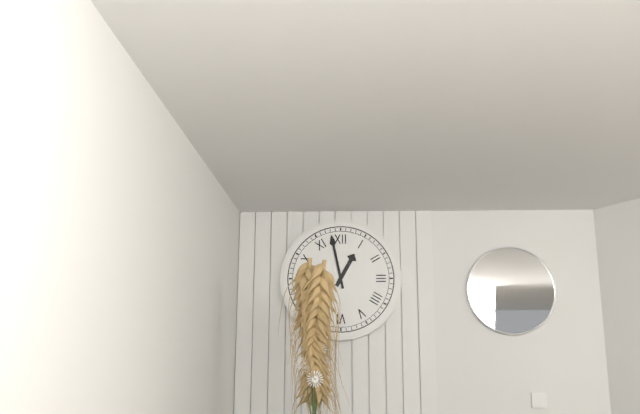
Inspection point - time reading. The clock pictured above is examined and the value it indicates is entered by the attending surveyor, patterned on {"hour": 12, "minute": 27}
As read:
{"hour": 12, "minute": 58}
